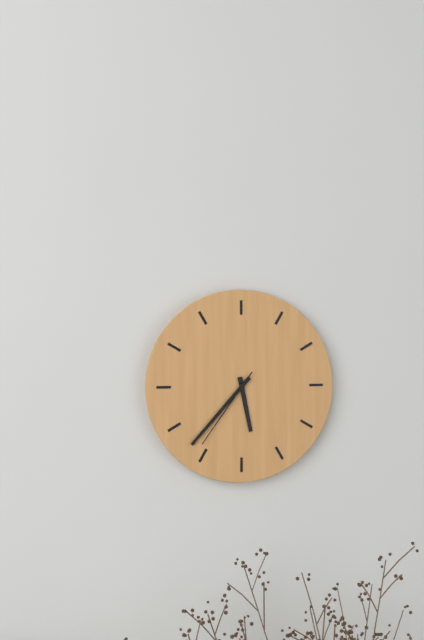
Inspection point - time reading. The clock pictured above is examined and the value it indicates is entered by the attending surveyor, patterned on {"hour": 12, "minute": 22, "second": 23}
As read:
{"hour": 5, "minute": 37, "second": 36}
